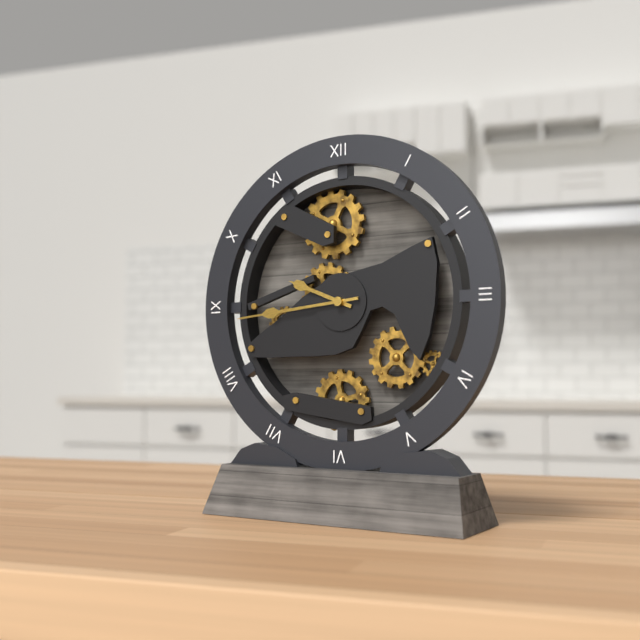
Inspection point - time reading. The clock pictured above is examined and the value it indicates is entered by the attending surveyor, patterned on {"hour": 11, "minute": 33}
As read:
{"hour": 9, "minute": 44}
